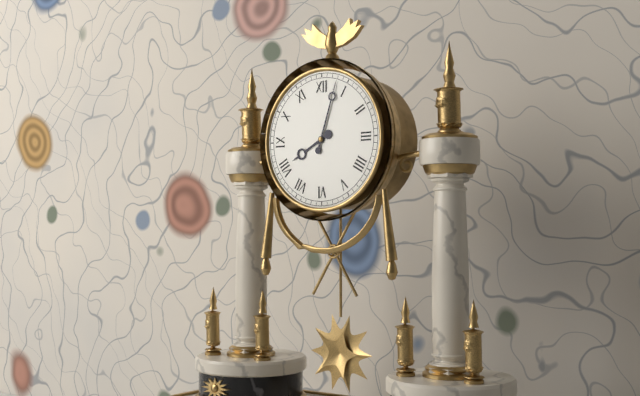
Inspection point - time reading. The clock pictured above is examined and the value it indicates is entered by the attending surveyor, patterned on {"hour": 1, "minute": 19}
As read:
{"hour": 8, "minute": 3}
